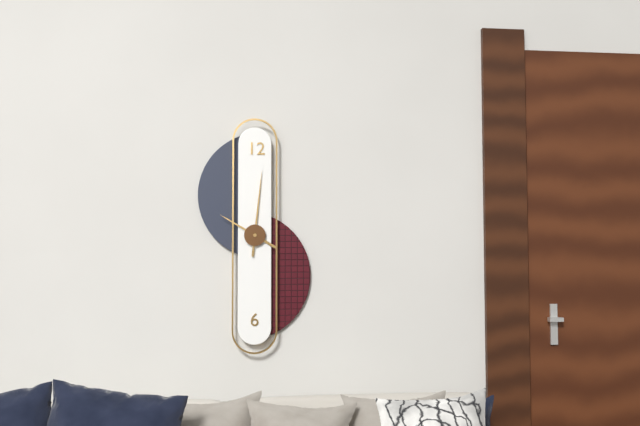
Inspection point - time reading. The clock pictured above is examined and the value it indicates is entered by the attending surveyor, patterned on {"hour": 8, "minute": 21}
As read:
{"hour": 10, "minute": 1}
